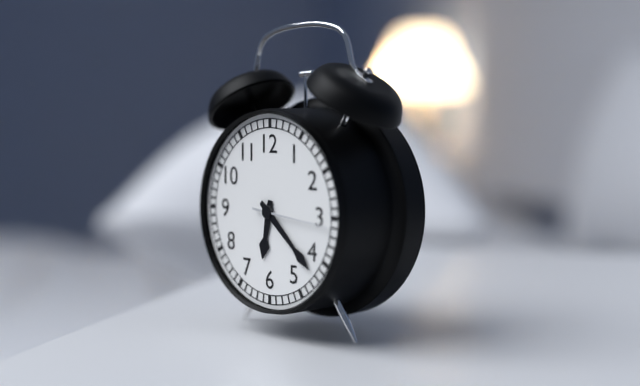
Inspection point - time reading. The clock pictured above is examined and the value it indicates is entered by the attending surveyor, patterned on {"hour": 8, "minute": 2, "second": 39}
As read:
{"hour": 6, "minute": 22, "second": 16}
